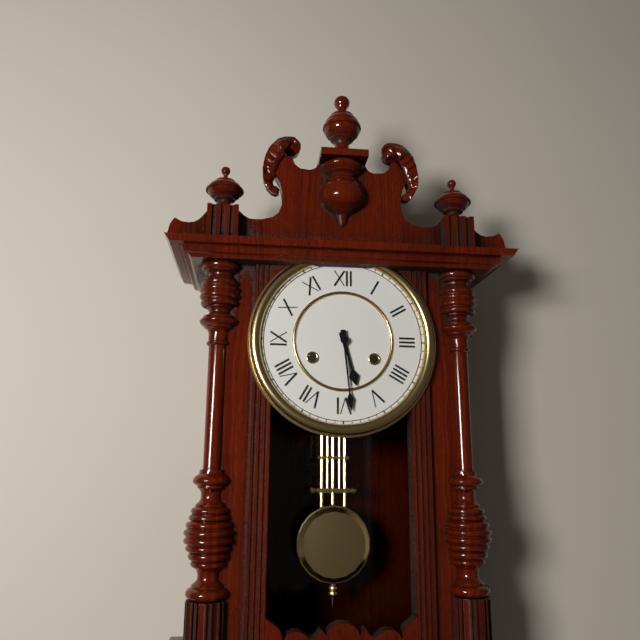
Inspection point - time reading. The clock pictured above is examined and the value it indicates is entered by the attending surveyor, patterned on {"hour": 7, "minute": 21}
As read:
{"hour": 5, "minute": 29}
